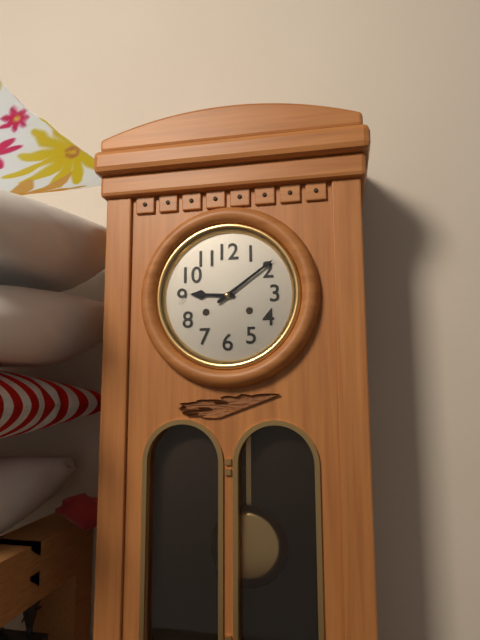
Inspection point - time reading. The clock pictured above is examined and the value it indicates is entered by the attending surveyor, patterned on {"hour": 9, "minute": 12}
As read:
{"hour": 9, "minute": 9}
